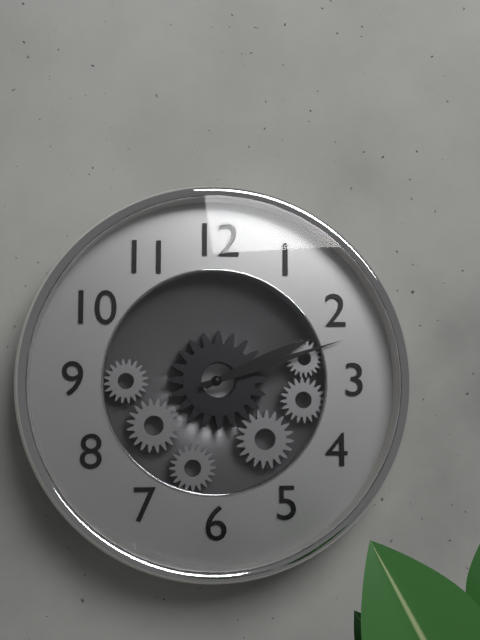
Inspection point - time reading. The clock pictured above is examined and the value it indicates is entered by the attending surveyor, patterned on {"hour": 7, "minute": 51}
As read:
{"hour": 2, "minute": 12}
